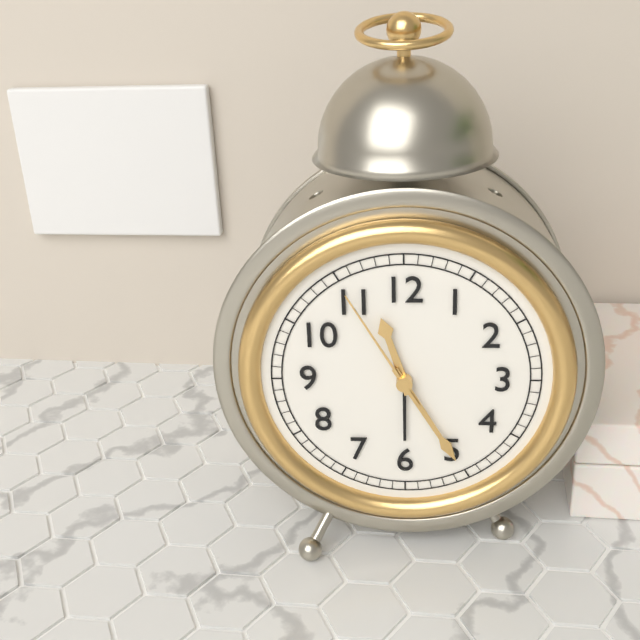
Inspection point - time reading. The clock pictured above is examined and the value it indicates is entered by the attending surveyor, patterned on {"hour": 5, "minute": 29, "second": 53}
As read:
{"hour": 11, "minute": 25, "second": 55}
